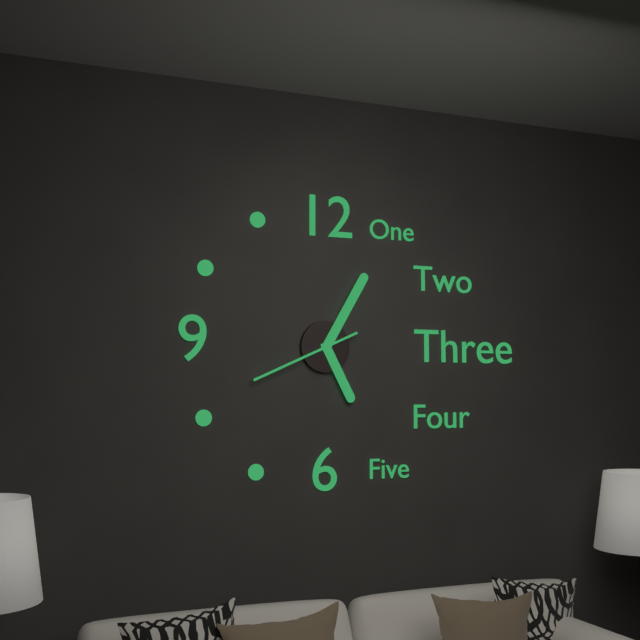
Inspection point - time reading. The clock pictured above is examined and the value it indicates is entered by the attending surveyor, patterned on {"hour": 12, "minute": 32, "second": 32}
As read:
{"hour": 5, "minute": 5, "second": 41}
